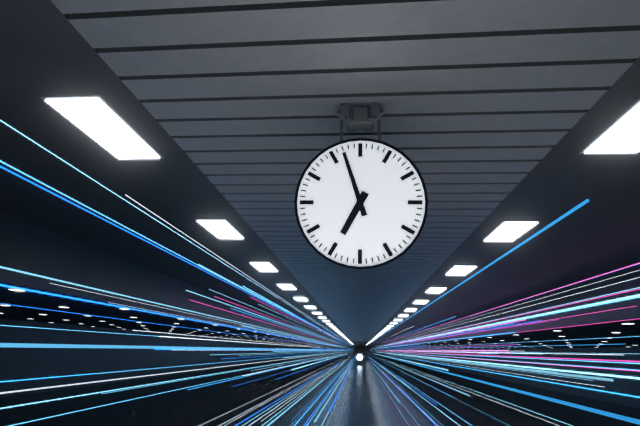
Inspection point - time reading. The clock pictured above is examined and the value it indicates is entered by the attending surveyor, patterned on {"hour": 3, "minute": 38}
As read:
{"hour": 6, "minute": 57}
